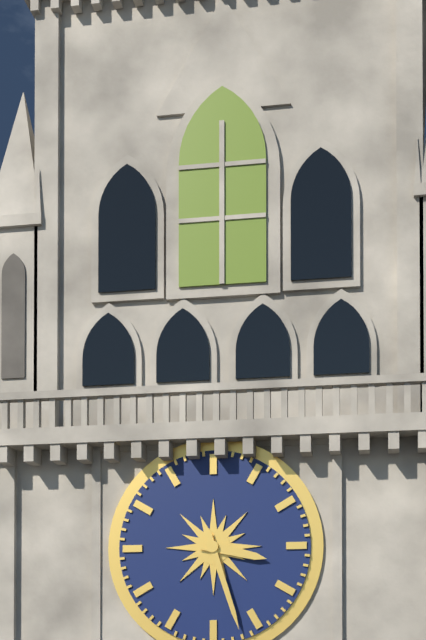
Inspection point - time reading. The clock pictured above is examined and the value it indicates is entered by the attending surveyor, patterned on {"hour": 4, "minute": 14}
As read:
{"hour": 3, "minute": 27}
